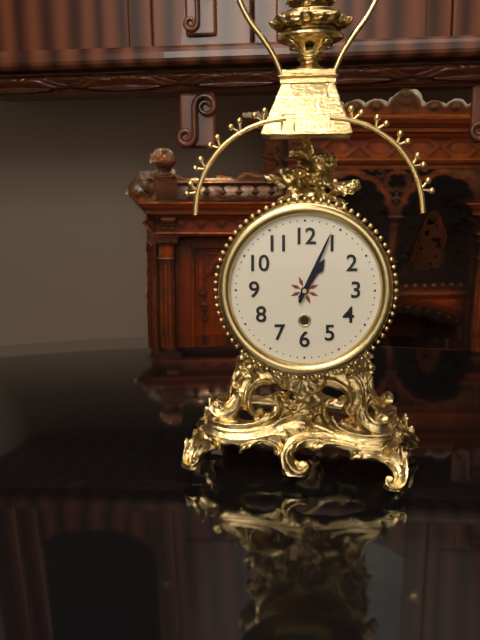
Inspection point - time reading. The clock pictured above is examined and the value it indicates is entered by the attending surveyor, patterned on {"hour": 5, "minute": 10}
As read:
{"hour": 1, "minute": 4}
